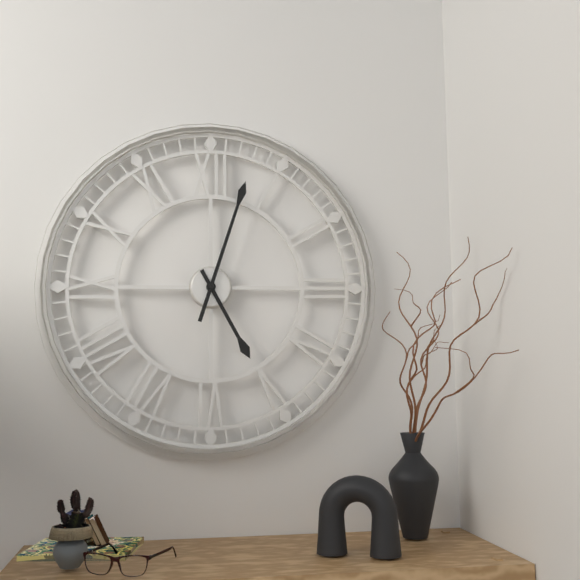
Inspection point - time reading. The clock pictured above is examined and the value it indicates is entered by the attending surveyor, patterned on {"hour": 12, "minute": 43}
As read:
{"hour": 5, "minute": 3}
